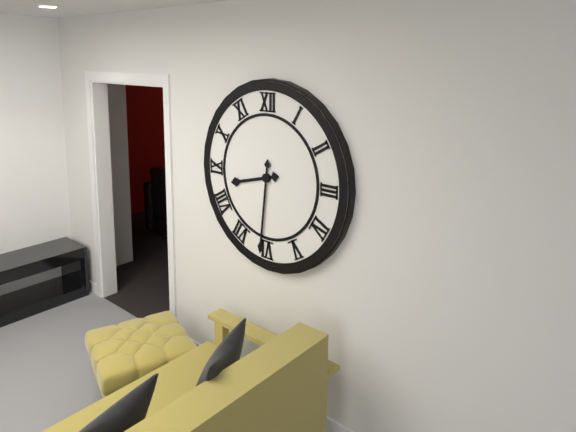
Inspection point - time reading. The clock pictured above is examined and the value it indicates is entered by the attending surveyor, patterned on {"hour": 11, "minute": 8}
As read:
{"hour": 8, "minute": 31}
